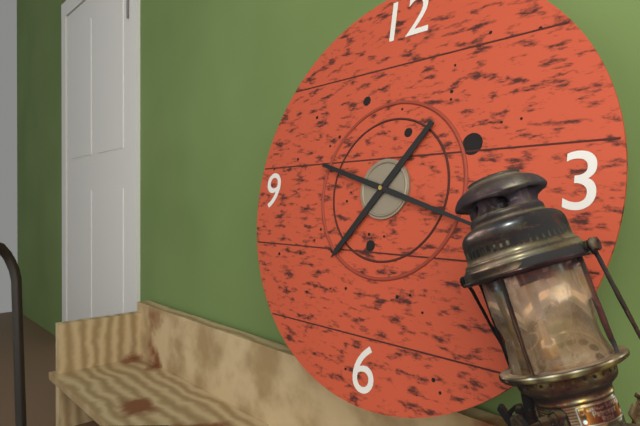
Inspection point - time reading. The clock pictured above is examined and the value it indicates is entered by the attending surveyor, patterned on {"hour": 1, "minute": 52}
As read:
{"hour": 7, "minute": 18}
